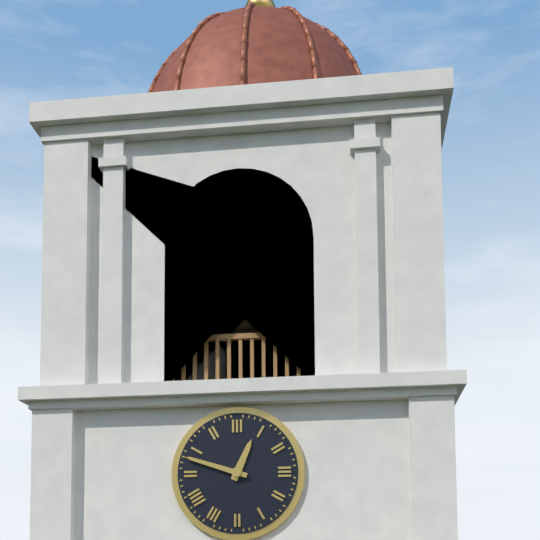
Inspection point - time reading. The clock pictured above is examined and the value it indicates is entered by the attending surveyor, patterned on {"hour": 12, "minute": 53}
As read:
{"hour": 12, "minute": 48}
